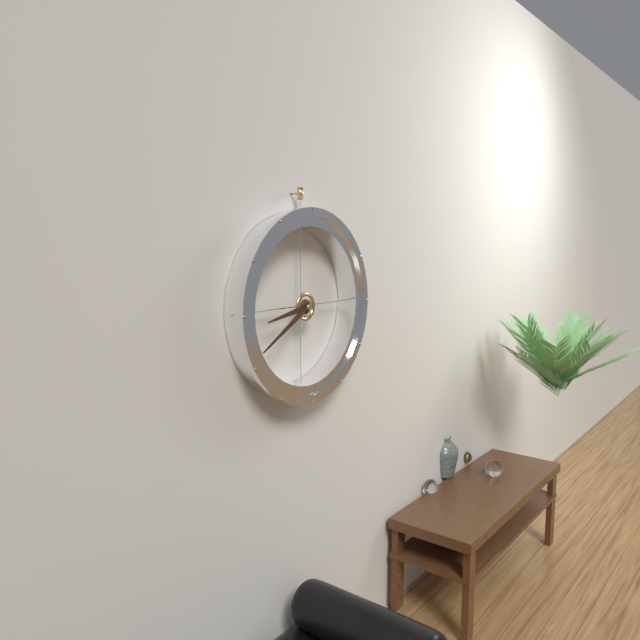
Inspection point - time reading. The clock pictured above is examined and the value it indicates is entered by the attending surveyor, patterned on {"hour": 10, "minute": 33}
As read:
{"hour": 8, "minute": 40}
